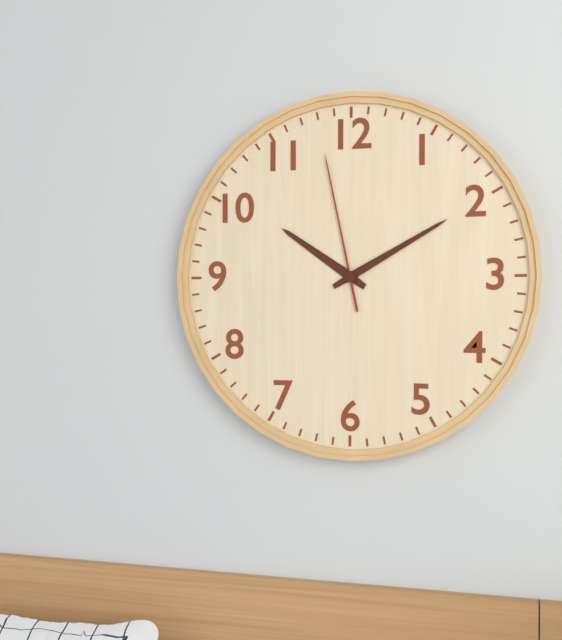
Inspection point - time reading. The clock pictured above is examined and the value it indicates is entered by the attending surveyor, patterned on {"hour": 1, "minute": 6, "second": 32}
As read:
{"hour": 10, "minute": 10, "second": 58}
